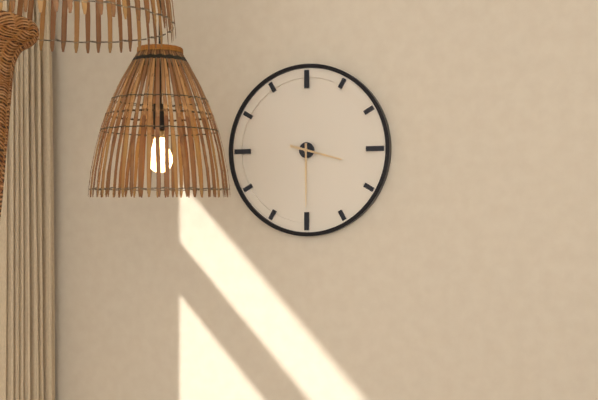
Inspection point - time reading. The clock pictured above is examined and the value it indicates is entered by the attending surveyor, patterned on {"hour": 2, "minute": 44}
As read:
{"hour": 3, "minute": 30}
